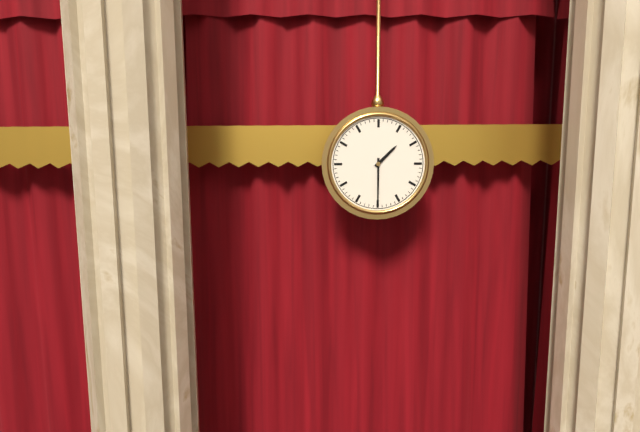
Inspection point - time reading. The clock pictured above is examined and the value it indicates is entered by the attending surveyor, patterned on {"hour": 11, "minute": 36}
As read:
{"hour": 1, "minute": 30}
